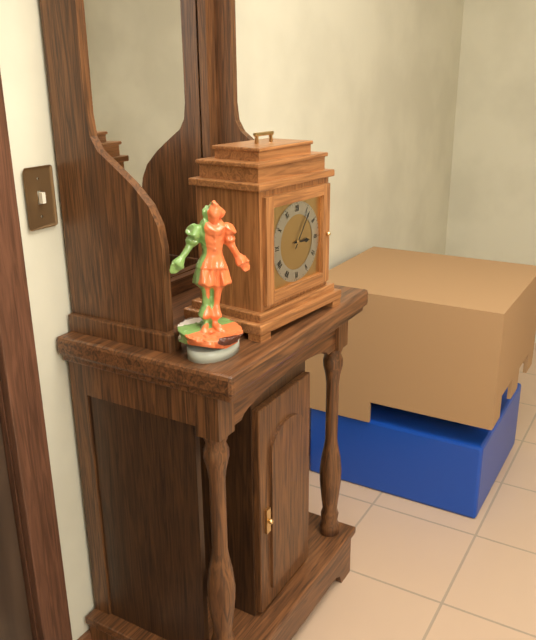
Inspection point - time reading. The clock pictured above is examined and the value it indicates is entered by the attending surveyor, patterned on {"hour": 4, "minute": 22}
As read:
{"hour": 3, "minute": 6}
